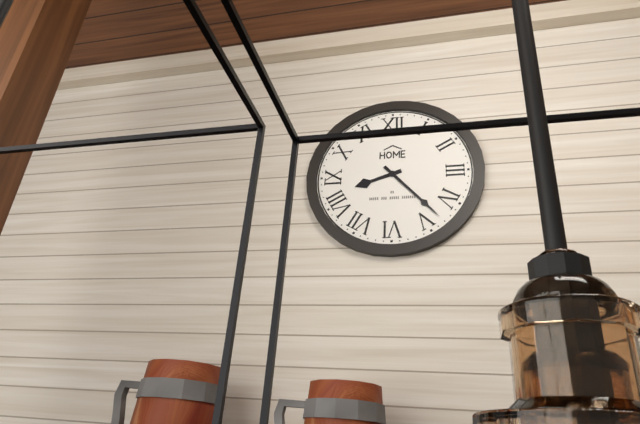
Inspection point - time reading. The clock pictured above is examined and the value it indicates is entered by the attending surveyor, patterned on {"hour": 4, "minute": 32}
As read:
{"hour": 8, "minute": 23}
